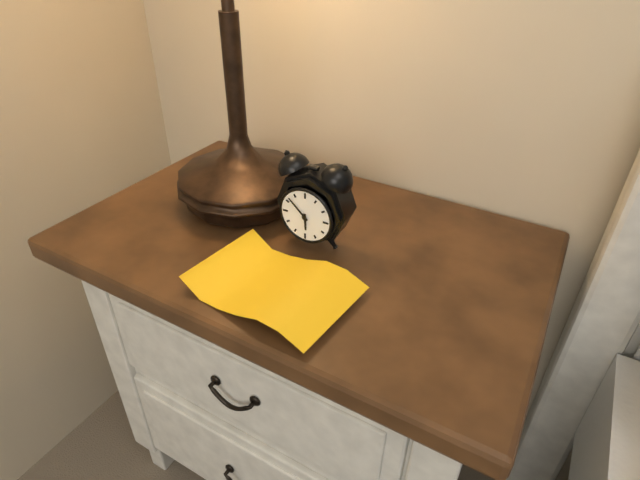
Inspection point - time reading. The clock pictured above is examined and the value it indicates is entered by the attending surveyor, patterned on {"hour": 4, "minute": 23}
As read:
{"hour": 5, "minute": 52}
